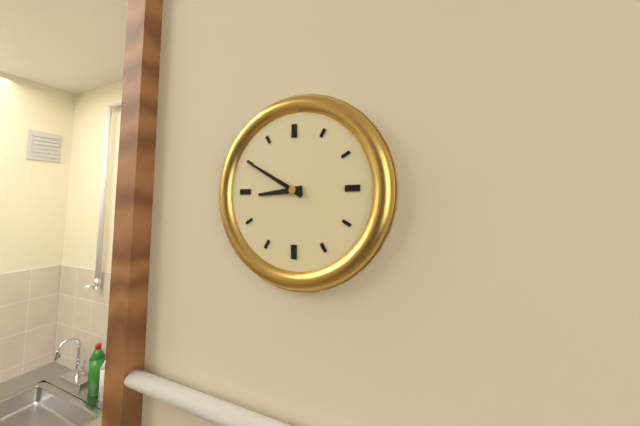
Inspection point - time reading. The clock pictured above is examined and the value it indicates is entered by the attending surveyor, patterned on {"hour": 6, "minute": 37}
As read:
{"hour": 8, "minute": 50}
